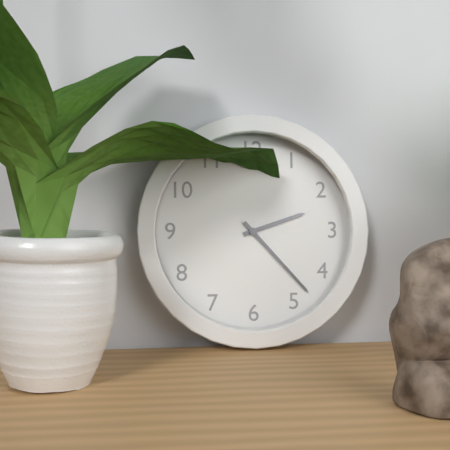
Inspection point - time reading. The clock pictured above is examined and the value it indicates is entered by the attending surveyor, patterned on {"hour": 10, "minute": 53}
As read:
{"hour": 2, "minute": 23}
